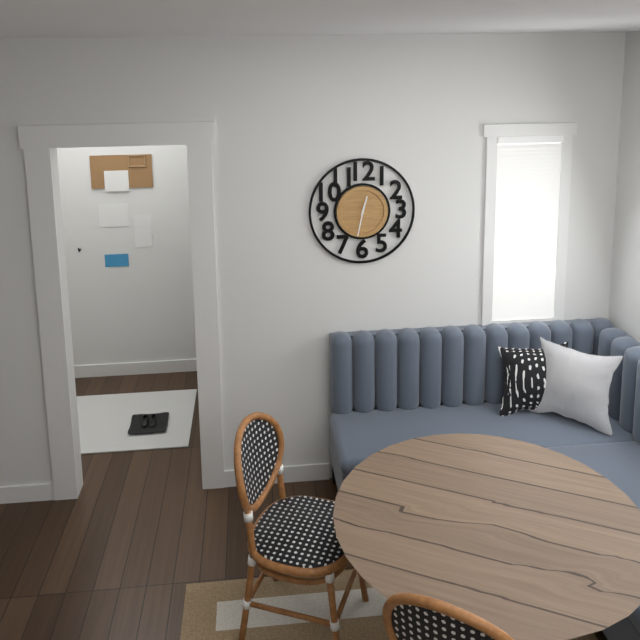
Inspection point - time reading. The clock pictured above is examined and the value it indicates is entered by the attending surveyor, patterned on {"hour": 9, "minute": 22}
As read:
{"hour": 12, "minute": 32}
